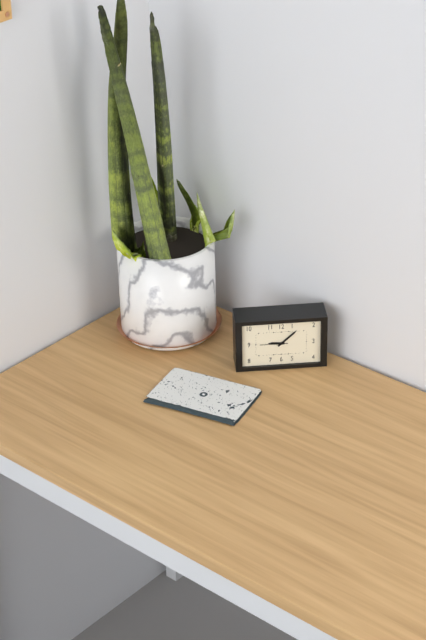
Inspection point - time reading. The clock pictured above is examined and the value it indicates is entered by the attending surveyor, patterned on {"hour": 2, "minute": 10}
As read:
{"hour": 9, "minute": 8}
